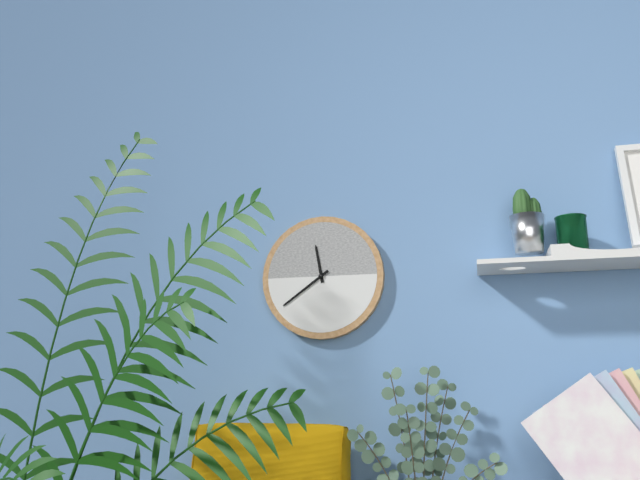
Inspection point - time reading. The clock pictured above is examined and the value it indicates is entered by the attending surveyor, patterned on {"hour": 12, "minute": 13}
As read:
{"hour": 11, "minute": 39}
